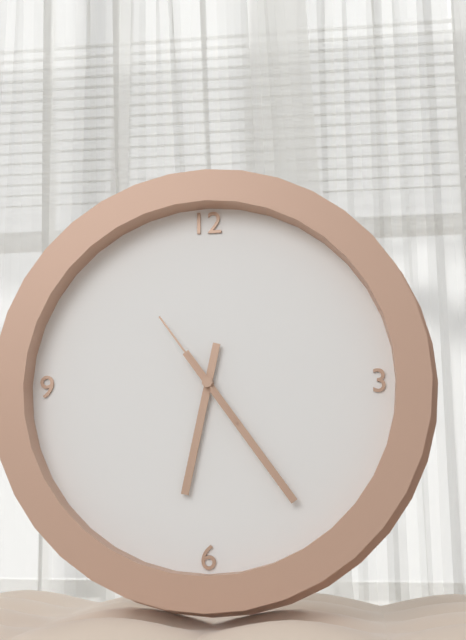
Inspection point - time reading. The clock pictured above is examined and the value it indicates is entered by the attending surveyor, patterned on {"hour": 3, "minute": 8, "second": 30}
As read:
{"hour": 6, "minute": 24, "second": 54}
